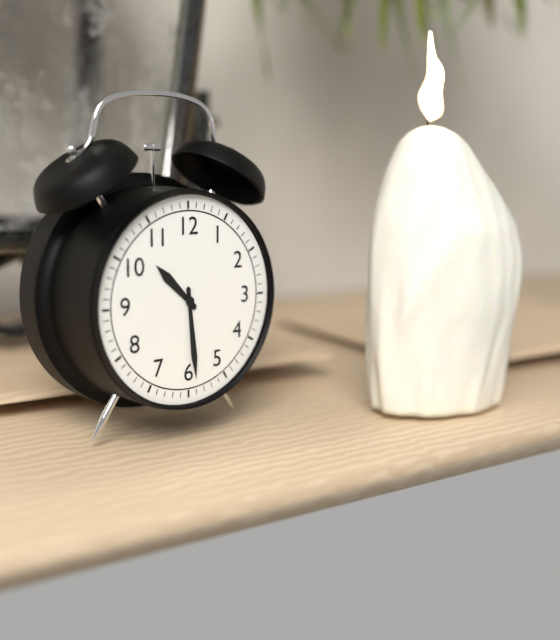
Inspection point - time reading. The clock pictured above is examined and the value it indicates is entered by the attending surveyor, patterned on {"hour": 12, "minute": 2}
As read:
{"hour": 10, "minute": 29}
